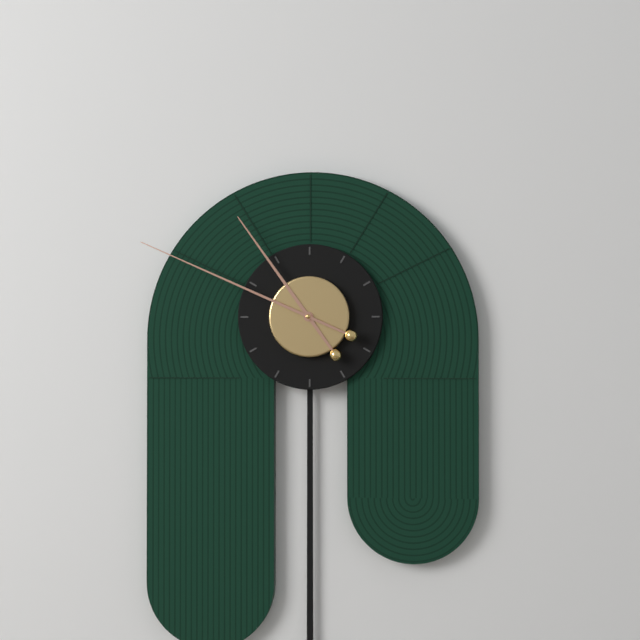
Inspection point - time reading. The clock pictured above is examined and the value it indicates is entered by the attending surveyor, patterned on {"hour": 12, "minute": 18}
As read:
{"hour": 10, "minute": 49}
